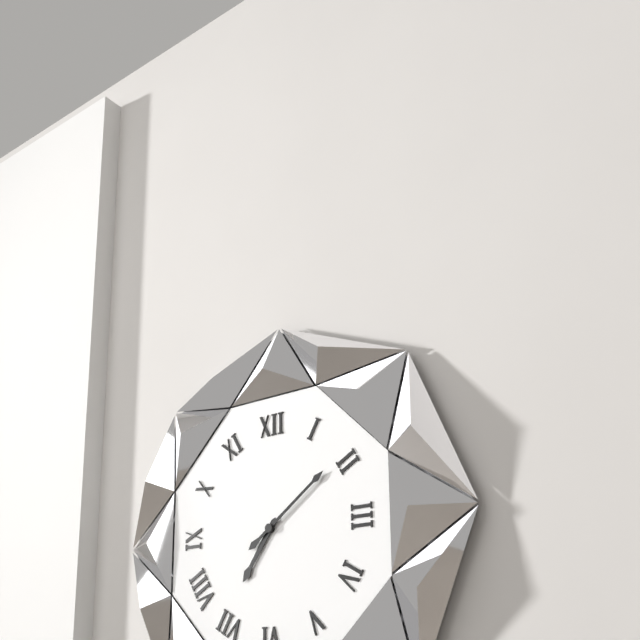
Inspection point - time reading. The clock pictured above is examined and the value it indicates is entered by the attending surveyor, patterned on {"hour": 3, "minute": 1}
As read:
{"hour": 7, "minute": 9}
